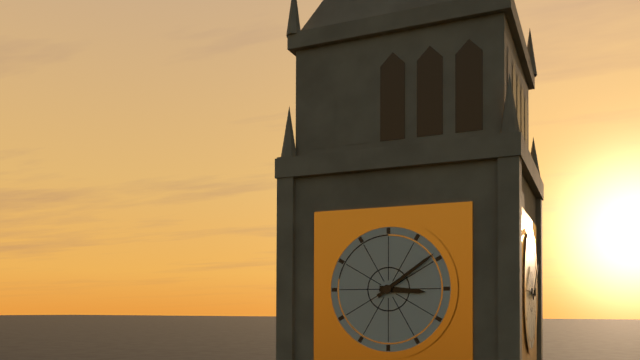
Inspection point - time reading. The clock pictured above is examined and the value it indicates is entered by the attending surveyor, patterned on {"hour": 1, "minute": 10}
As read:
{"hour": 3, "minute": 9}
